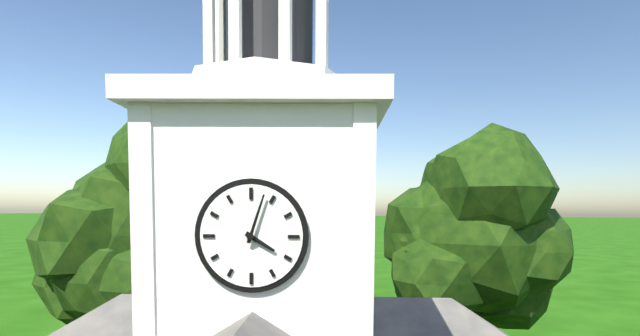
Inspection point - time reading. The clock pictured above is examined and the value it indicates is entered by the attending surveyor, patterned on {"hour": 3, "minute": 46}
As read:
{"hour": 4, "minute": 3}
